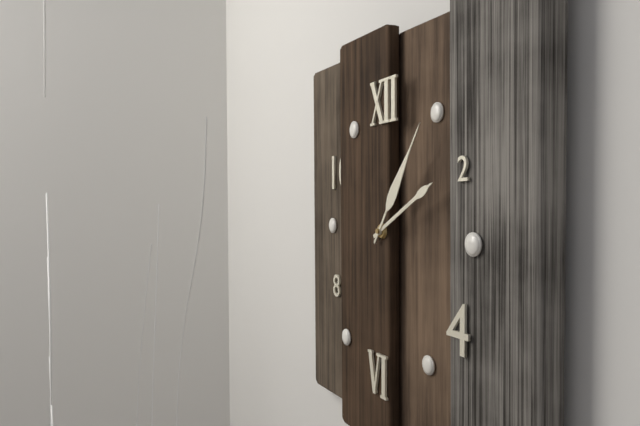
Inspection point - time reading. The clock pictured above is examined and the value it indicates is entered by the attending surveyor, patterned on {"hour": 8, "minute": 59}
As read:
{"hour": 2, "minute": 6}
